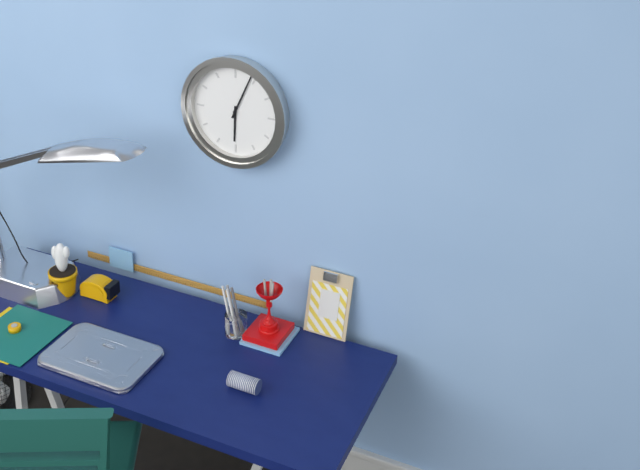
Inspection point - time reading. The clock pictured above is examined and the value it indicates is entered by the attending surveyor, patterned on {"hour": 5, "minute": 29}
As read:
{"hour": 6, "minute": 4}
